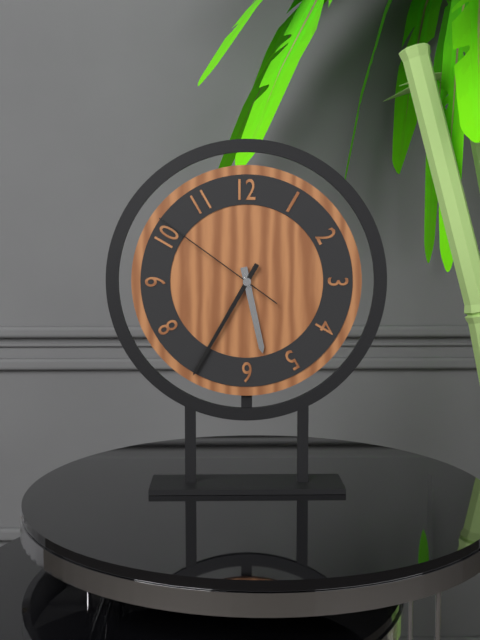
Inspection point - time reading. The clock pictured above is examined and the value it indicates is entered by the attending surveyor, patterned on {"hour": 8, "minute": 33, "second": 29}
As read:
{"hour": 5, "minute": 35, "second": 51}
